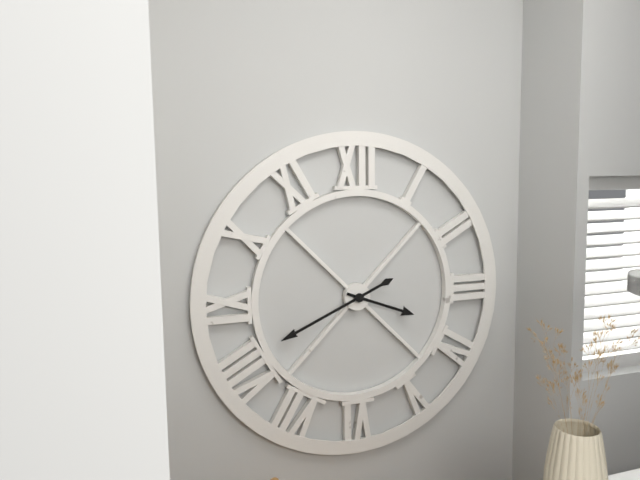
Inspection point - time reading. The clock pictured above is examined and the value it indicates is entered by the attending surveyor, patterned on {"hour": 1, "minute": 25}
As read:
{"hour": 3, "minute": 41}
